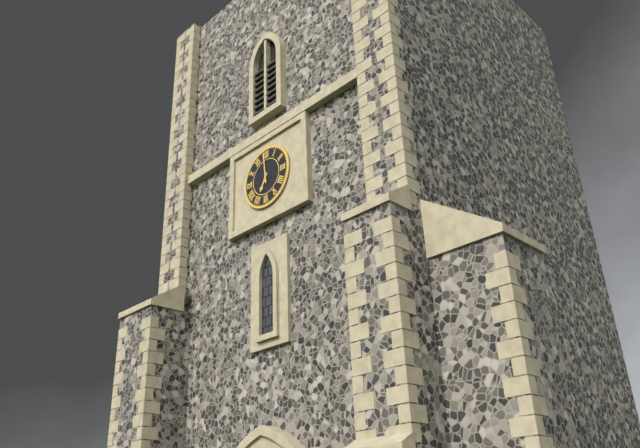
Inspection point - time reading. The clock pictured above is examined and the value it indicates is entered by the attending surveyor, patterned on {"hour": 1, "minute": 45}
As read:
{"hour": 6, "minute": 59}
